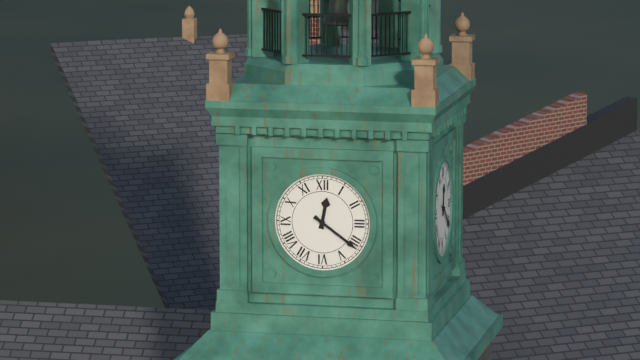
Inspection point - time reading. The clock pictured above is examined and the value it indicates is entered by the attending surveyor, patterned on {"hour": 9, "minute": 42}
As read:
{"hour": 12, "minute": 21}
